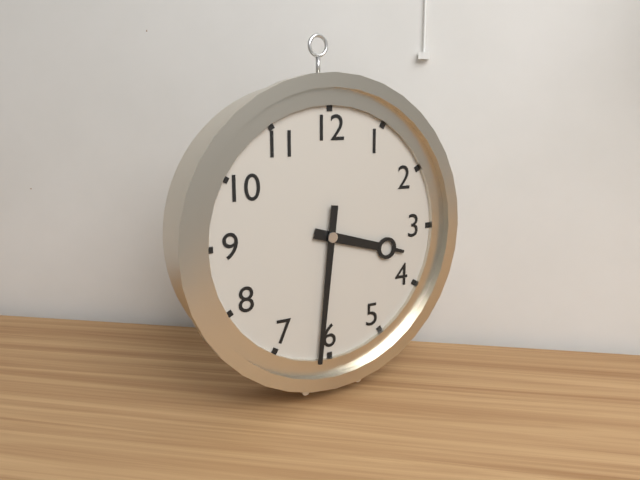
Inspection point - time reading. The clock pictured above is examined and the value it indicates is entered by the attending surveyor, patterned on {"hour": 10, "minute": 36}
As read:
{"hour": 3, "minute": 31}
